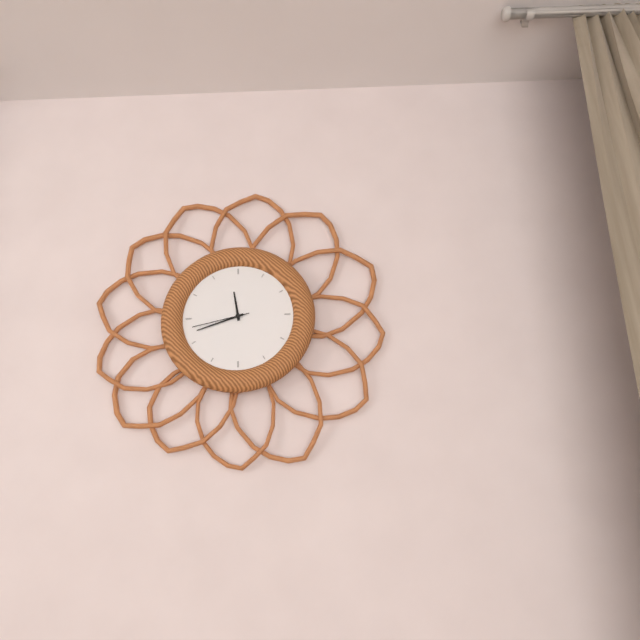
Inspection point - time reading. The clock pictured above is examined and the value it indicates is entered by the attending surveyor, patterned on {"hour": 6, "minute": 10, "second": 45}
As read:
{"hour": 11, "minute": 42, "second": 43}
